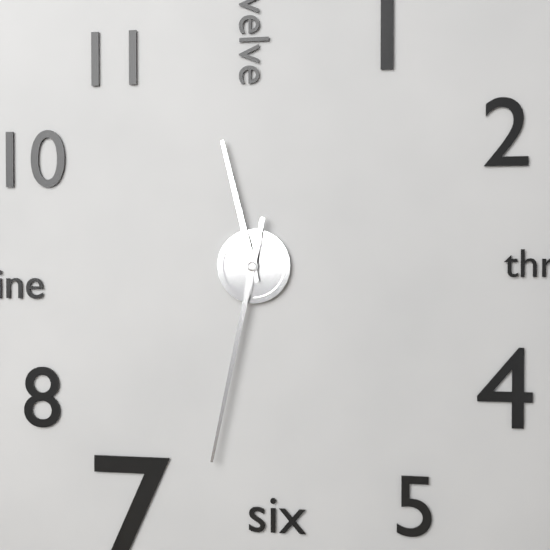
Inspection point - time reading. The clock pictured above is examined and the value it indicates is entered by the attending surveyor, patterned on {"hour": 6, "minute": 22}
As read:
{"hour": 11, "minute": 32}
